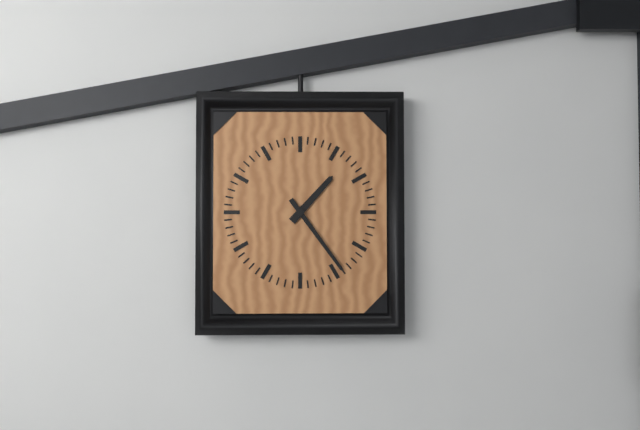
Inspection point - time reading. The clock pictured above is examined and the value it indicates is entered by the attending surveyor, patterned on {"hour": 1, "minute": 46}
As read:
{"hour": 1, "minute": 24}
